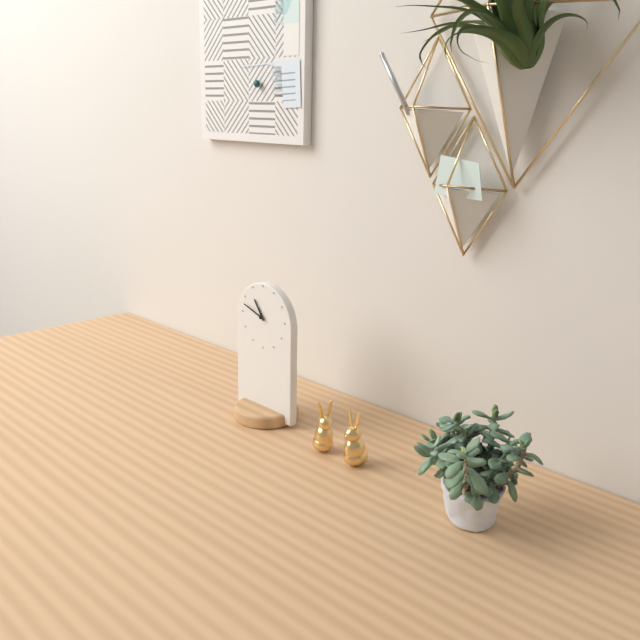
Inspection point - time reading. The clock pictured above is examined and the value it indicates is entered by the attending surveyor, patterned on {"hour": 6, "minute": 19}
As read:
{"hour": 10, "minute": 48}
